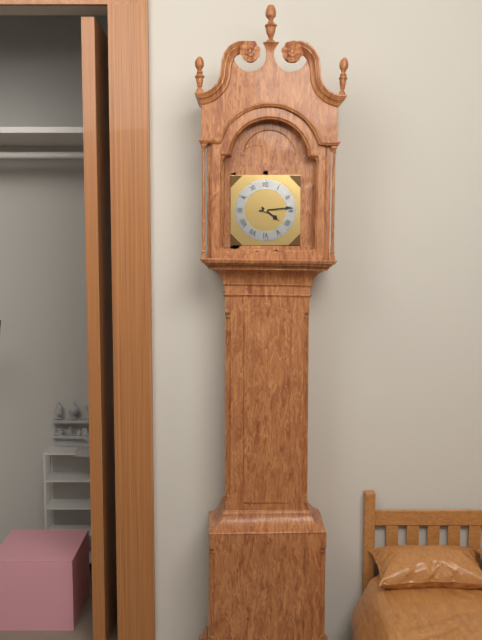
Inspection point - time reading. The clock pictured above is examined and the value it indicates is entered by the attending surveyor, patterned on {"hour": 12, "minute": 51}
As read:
{"hour": 4, "minute": 14}
